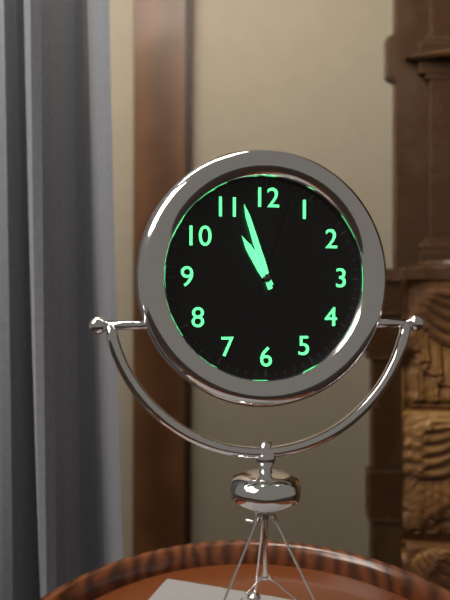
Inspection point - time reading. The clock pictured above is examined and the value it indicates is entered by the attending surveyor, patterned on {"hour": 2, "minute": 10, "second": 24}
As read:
{"hour": 10, "minute": 57, "second": 3}
